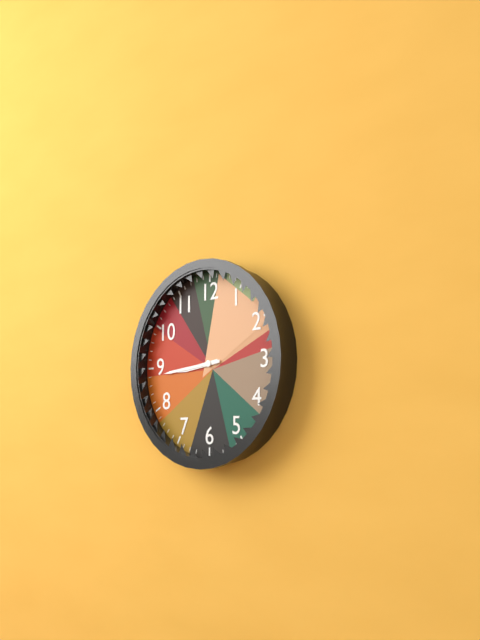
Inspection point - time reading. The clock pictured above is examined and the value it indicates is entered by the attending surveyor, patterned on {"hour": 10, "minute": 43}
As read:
{"hour": 8, "minute": 44}
